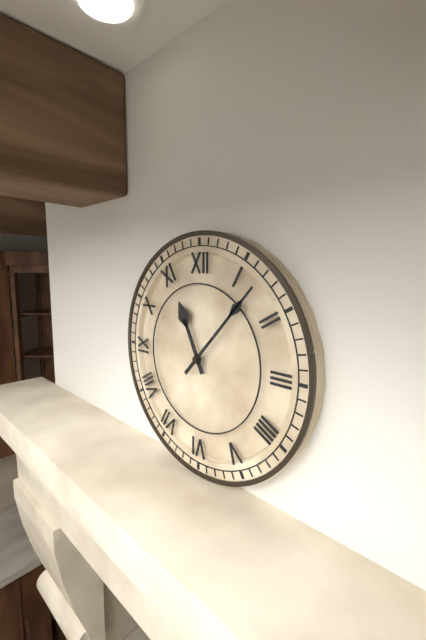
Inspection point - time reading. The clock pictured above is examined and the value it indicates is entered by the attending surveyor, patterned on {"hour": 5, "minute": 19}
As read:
{"hour": 11, "minute": 7}
